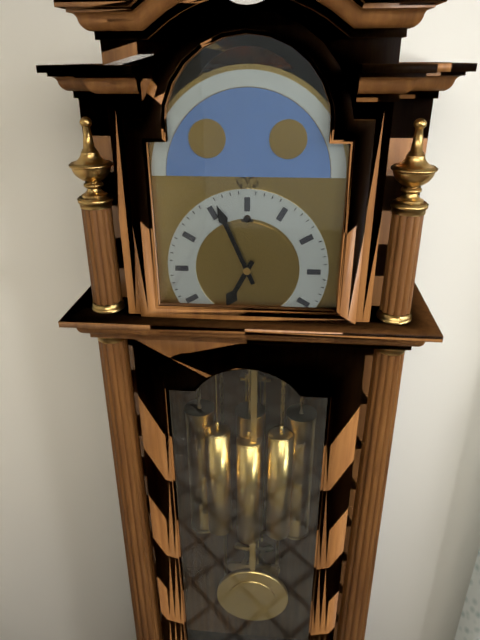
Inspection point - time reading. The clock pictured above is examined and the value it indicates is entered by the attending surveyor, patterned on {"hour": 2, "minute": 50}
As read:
{"hour": 6, "minute": 56}
